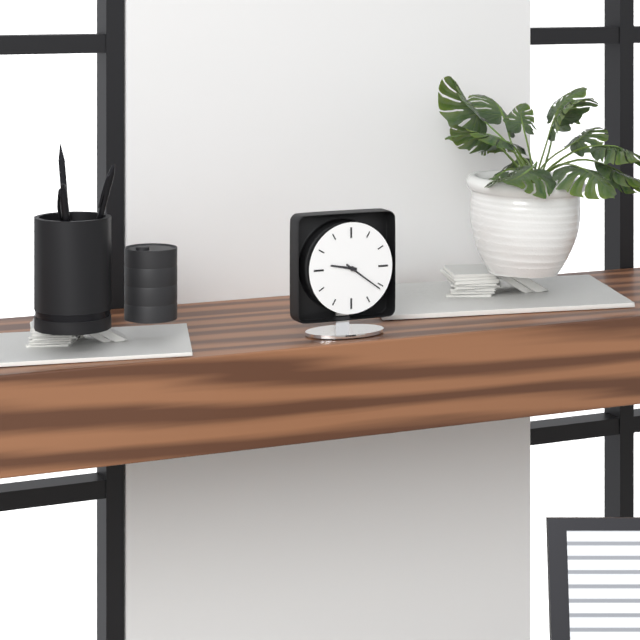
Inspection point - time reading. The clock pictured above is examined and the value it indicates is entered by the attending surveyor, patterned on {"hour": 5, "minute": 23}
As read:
{"hour": 9, "minute": 21}
